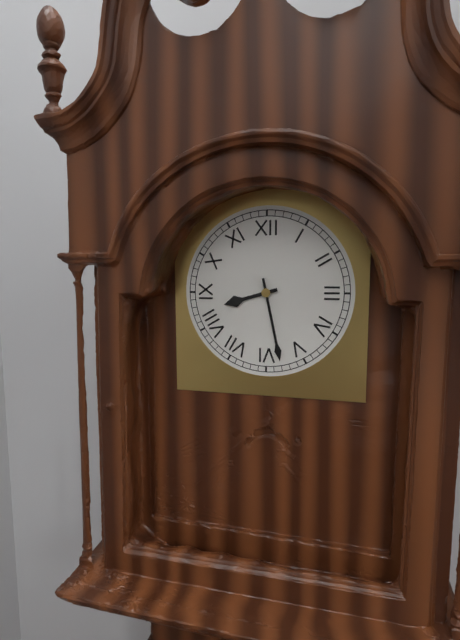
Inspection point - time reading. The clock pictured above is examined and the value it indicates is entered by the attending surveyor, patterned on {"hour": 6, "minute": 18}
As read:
{"hour": 8, "minute": 28}
